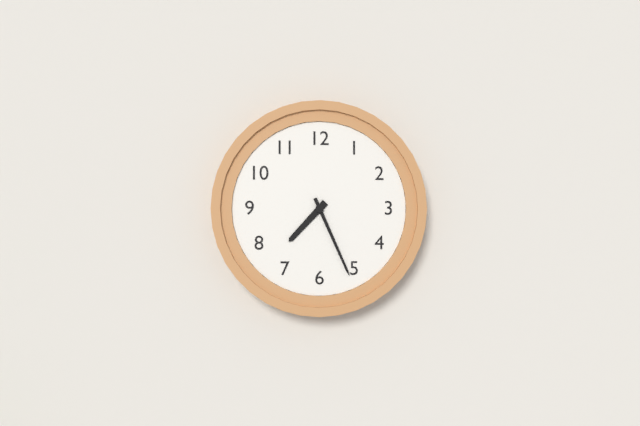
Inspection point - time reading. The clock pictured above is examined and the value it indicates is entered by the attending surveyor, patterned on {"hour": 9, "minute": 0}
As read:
{"hour": 7, "minute": 26}
